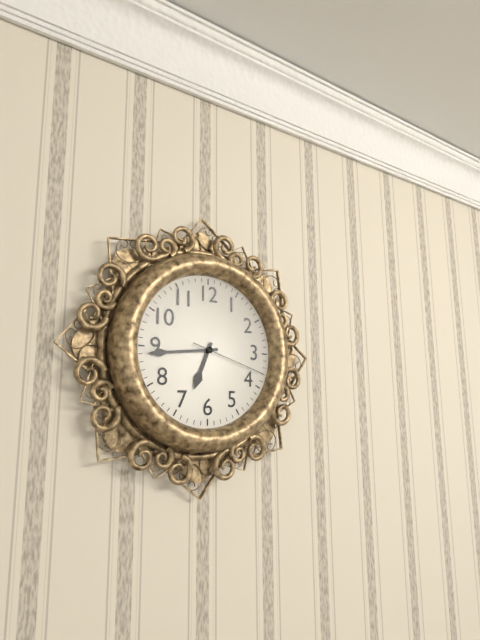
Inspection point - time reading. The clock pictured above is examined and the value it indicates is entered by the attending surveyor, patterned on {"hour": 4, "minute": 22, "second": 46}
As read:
{"hour": 6, "minute": 44, "second": 18}
